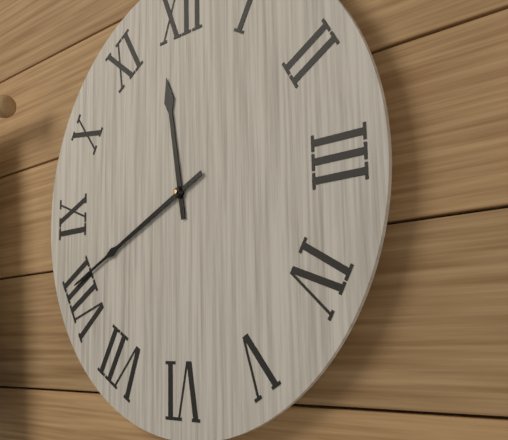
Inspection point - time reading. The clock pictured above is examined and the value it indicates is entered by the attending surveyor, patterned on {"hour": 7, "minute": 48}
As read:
{"hour": 11, "minute": 41}
